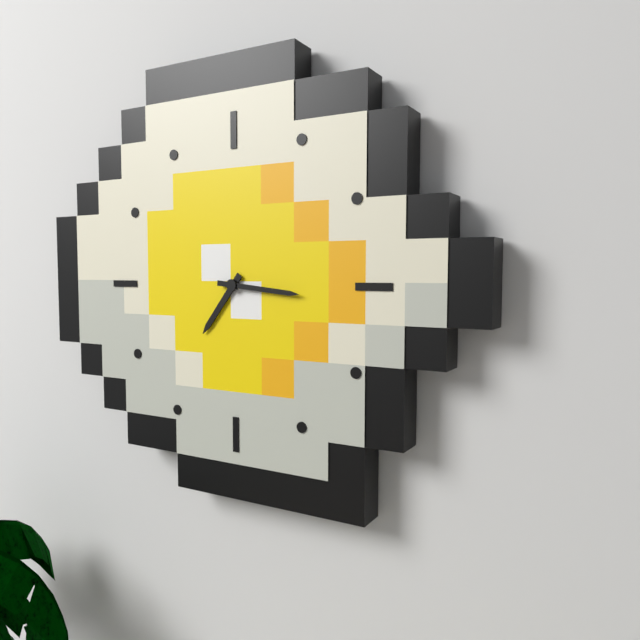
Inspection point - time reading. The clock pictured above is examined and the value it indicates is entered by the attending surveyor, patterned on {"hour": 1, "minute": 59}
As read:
{"hour": 7, "minute": 16}
